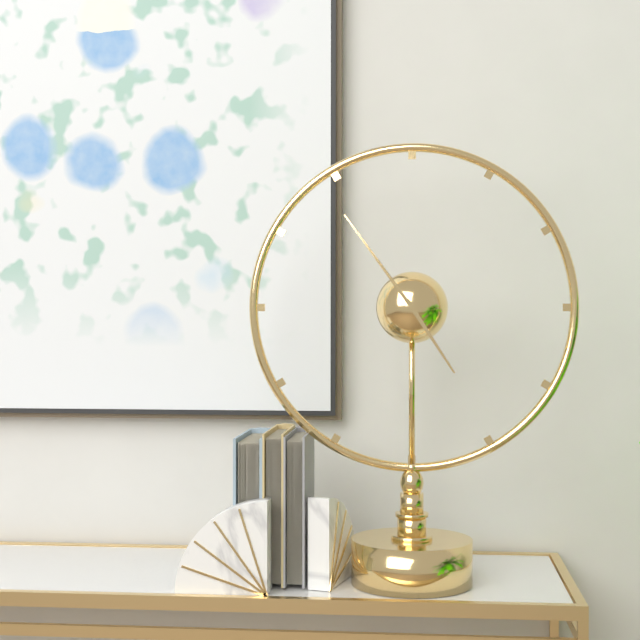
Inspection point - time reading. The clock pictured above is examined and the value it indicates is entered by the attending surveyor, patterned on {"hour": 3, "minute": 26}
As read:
{"hour": 4, "minute": 54}
